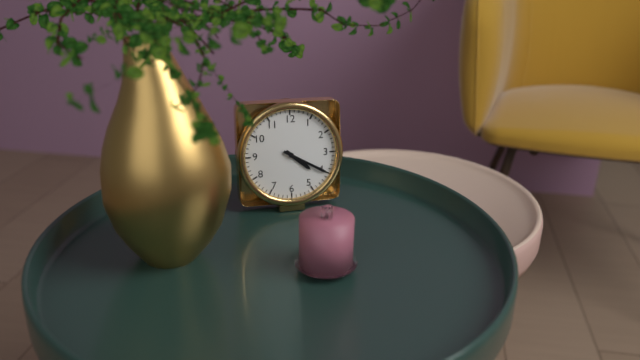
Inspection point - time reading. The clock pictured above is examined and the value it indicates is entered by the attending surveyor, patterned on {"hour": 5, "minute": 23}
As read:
{"hour": 4, "minute": 20}
